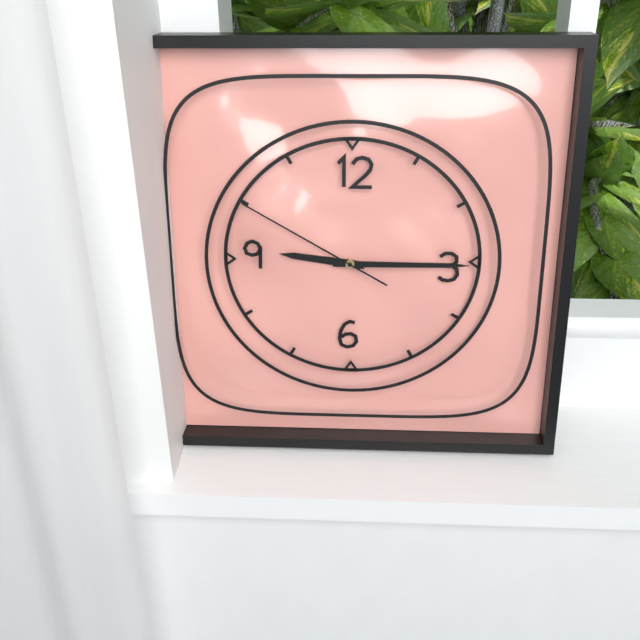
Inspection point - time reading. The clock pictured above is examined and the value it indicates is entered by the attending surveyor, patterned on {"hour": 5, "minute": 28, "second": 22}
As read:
{"hour": 9, "minute": 15, "second": 50}
